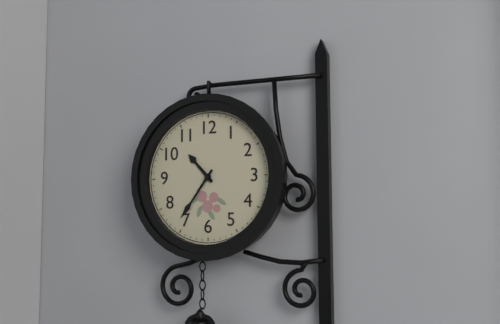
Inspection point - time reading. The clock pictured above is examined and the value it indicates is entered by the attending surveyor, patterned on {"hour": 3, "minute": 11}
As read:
{"hour": 10, "minute": 36}
